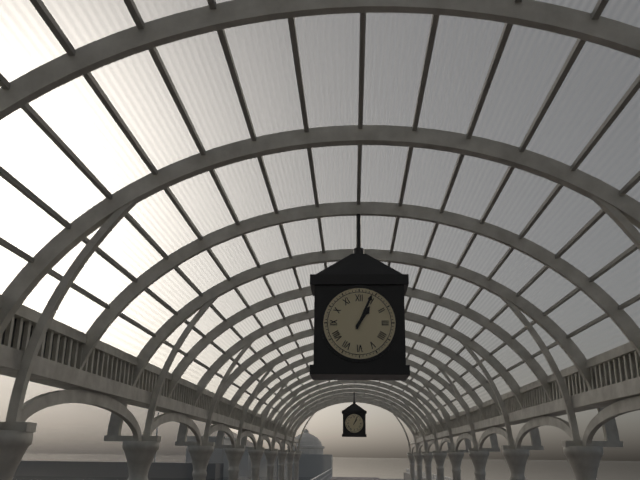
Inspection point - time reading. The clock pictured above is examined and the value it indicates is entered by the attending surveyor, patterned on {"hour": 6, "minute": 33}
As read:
{"hour": 1, "minute": 4}
